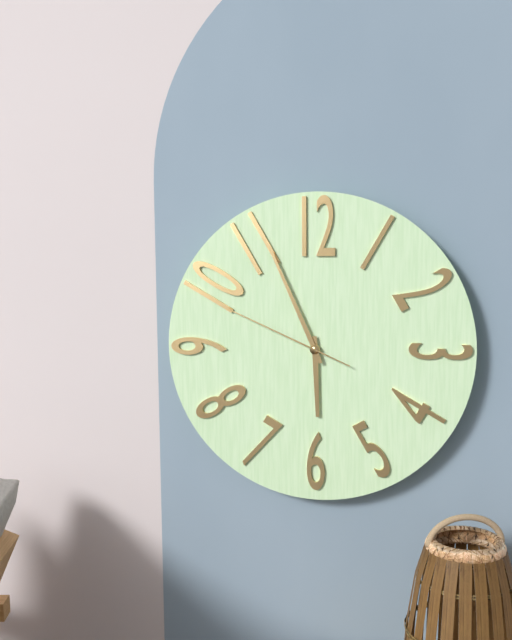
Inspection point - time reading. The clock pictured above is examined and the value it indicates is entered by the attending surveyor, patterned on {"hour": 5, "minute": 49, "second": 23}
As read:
{"hour": 5, "minute": 56, "second": 49}
